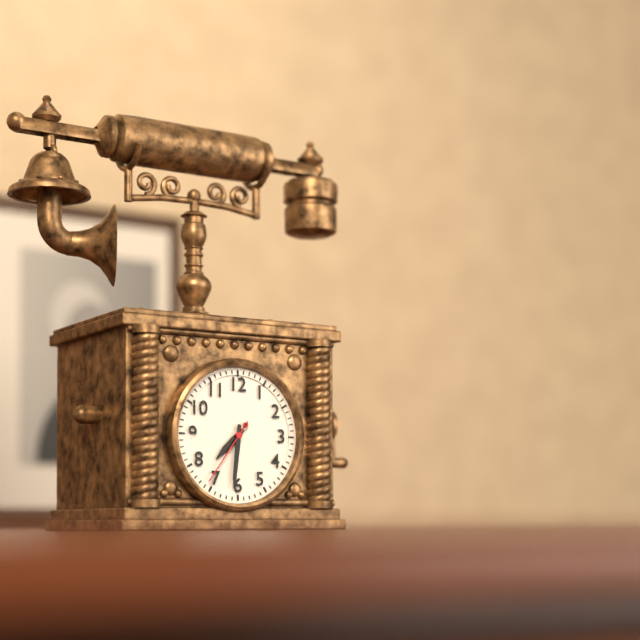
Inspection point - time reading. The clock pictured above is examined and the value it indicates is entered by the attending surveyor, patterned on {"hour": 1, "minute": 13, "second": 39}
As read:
{"hour": 7, "minute": 31, "second": 36}
